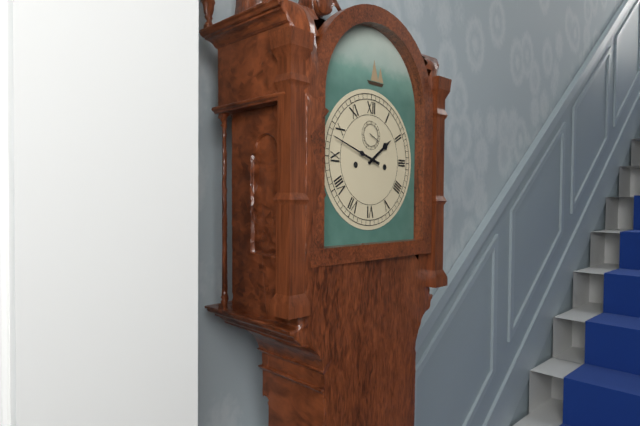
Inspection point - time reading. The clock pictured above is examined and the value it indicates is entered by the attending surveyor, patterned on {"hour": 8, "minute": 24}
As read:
{"hour": 1, "minute": 48}
